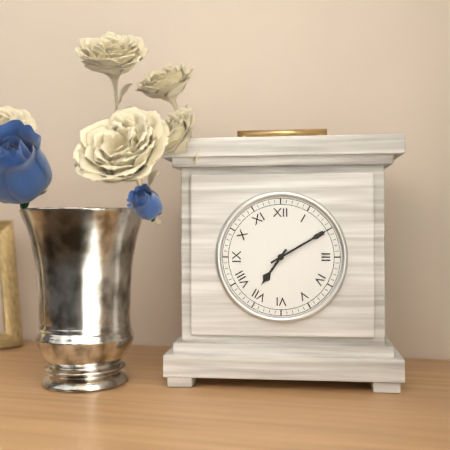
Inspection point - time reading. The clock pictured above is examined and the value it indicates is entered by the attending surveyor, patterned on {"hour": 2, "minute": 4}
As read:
{"hour": 7, "minute": 10}
